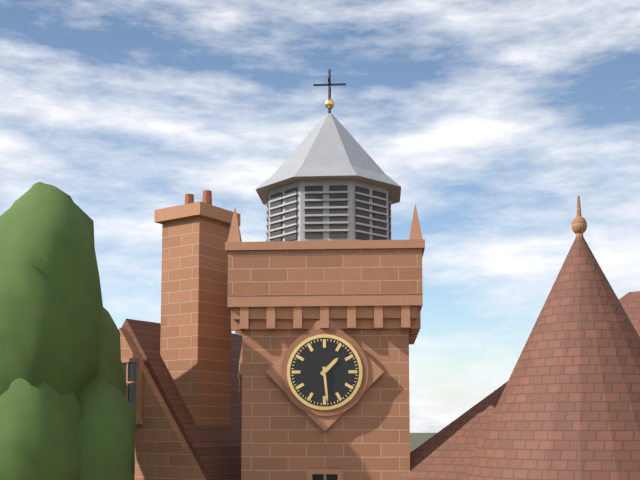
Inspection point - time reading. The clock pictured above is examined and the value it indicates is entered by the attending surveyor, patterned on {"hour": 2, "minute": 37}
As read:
{"hour": 1, "minute": 29}
